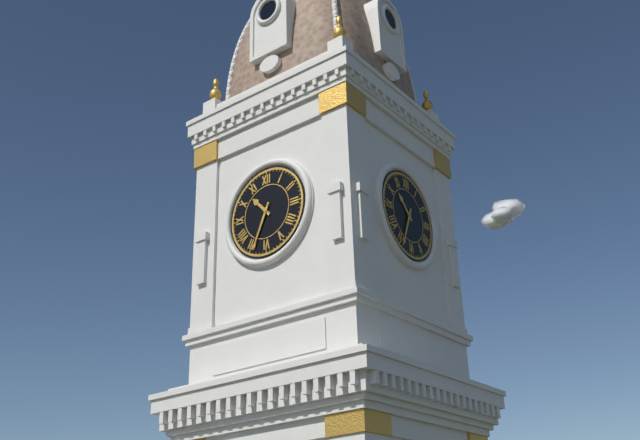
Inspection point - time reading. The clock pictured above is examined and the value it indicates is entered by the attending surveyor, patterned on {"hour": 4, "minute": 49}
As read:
{"hour": 10, "minute": 34}
